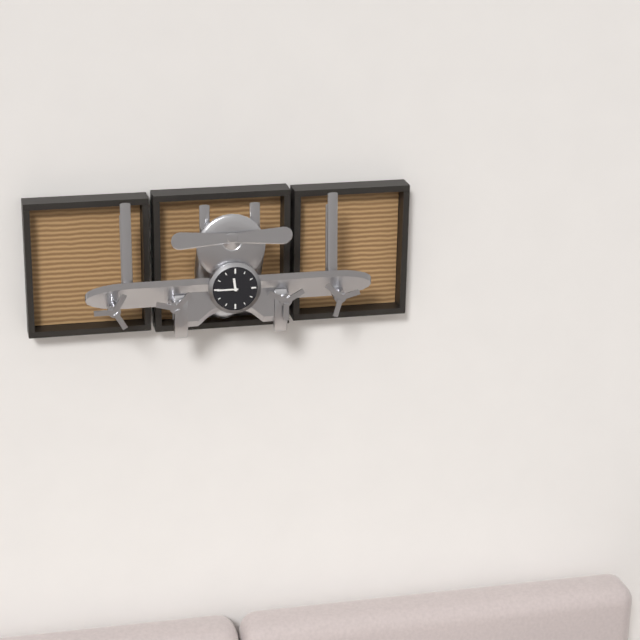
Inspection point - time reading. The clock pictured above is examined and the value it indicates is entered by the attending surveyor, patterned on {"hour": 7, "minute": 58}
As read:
{"hour": 11, "minute": 45}
